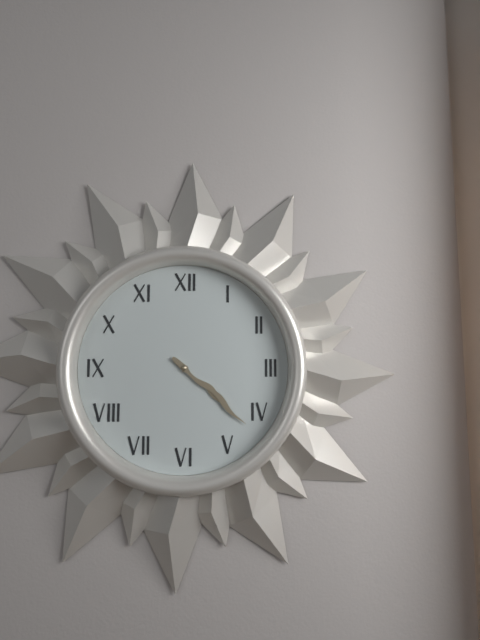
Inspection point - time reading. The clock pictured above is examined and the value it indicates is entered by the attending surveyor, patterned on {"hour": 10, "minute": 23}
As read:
{"hour": 4, "minute": 22}
